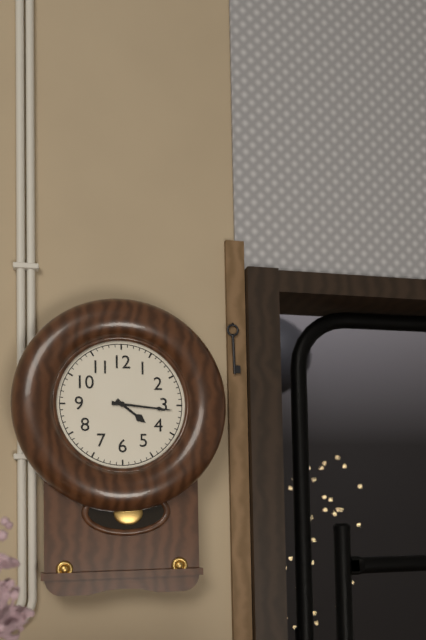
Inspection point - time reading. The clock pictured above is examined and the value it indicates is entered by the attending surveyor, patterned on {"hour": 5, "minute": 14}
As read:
{"hour": 4, "minute": 16}
